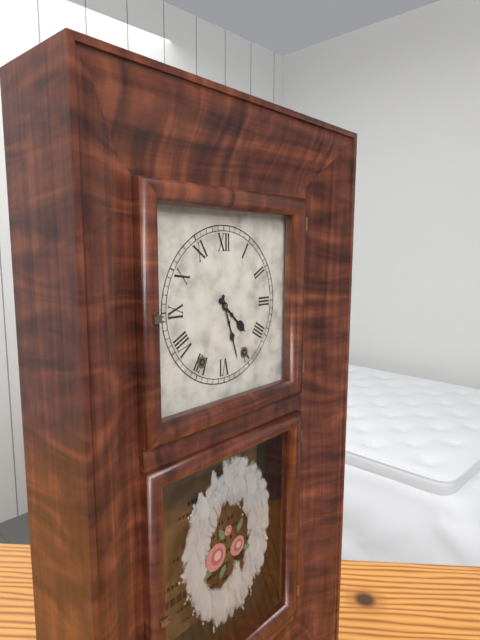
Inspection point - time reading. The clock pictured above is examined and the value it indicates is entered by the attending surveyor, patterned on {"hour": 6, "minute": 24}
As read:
{"hour": 4, "minute": 27}
